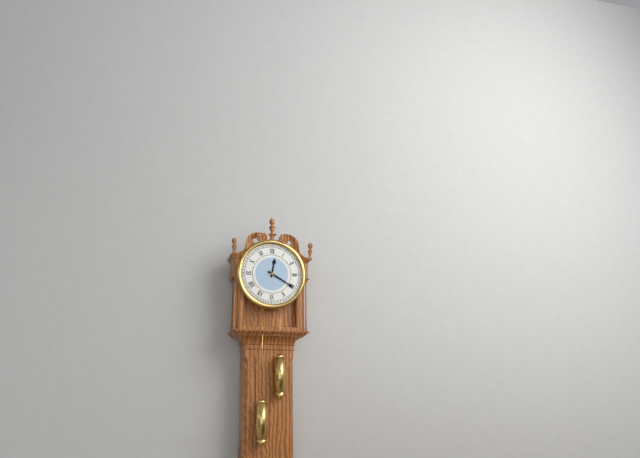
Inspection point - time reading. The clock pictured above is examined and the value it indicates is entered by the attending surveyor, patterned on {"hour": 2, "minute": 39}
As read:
{"hour": 12, "minute": 20}
